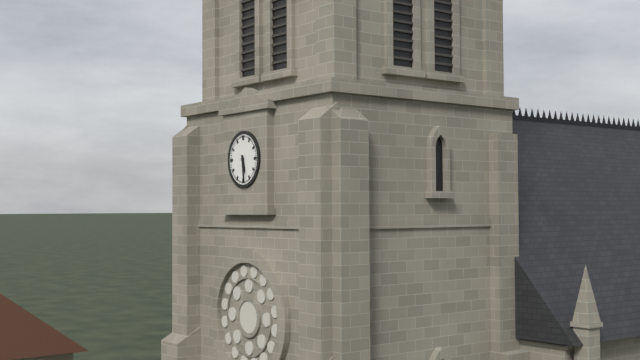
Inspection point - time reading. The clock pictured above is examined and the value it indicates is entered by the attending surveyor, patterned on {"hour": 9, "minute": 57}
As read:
{"hour": 5, "minute": 29}
